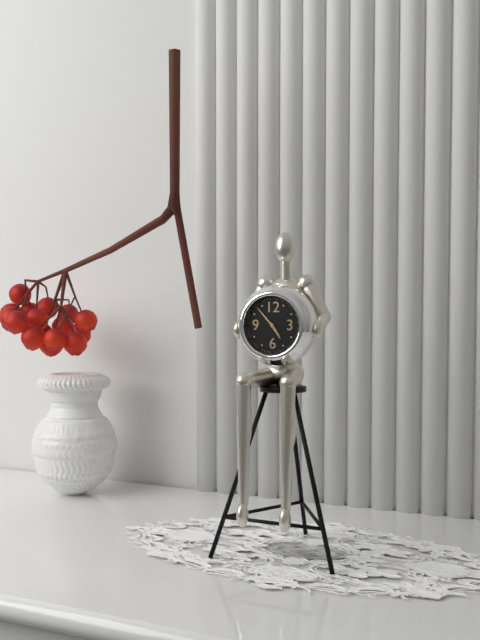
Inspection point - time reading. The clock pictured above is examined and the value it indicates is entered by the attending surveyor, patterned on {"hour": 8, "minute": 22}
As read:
{"hour": 4, "minute": 53}
